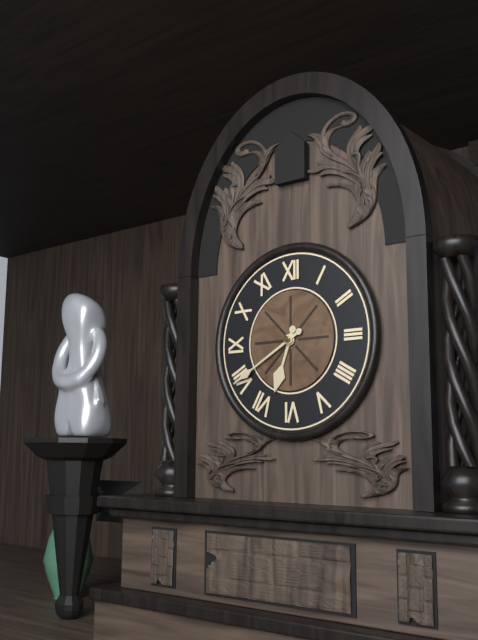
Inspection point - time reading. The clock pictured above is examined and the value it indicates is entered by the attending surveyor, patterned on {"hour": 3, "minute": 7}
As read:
{"hour": 6, "minute": 40}
